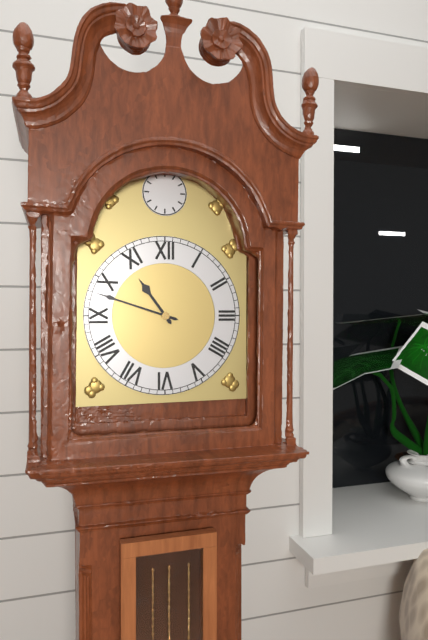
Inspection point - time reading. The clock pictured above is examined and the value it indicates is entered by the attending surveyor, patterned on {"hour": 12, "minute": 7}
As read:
{"hour": 10, "minute": 48}
